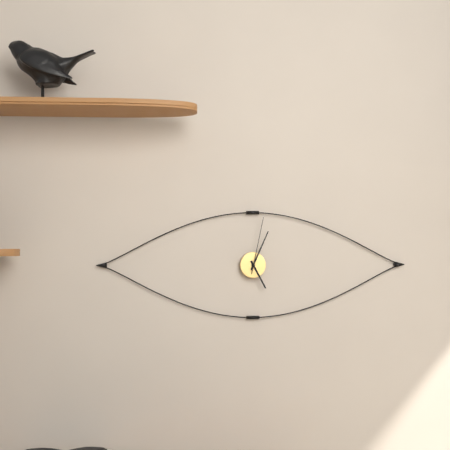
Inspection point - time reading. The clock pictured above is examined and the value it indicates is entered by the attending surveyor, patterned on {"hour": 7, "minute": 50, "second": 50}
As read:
{"hour": 5, "minute": 4, "second": 2}
